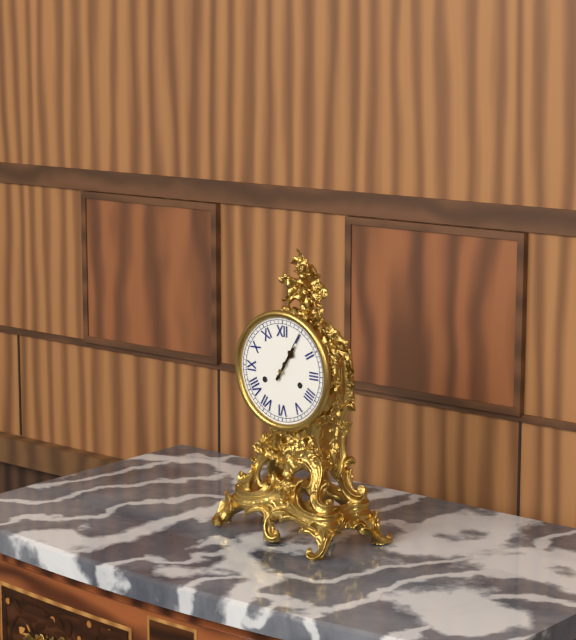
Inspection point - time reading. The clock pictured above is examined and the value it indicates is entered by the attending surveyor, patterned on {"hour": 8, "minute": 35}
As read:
{"hour": 1, "minute": 5}
